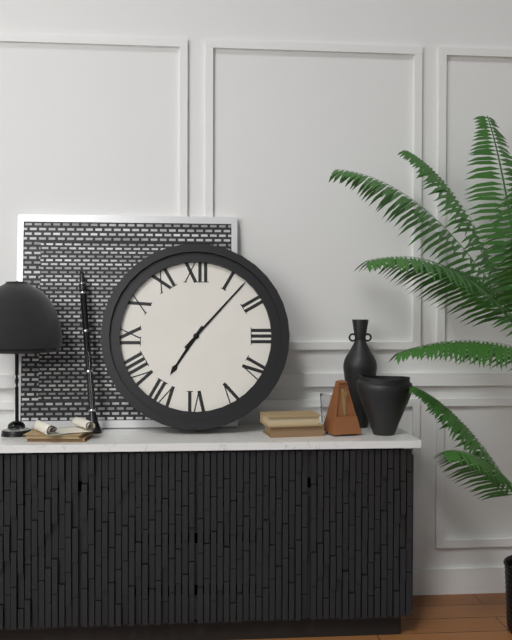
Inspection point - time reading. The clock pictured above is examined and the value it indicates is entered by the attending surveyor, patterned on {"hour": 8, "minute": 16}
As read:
{"hour": 7, "minute": 7}
